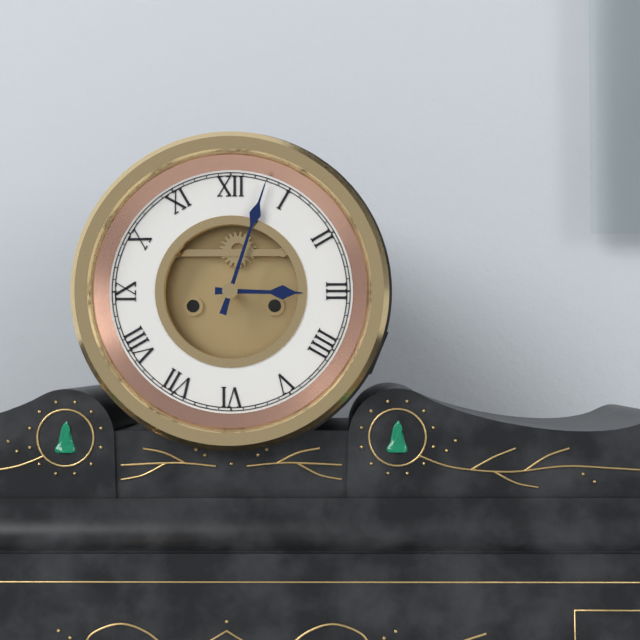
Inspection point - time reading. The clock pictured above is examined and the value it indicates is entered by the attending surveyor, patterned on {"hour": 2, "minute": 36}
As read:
{"hour": 3, "minute": 3}
